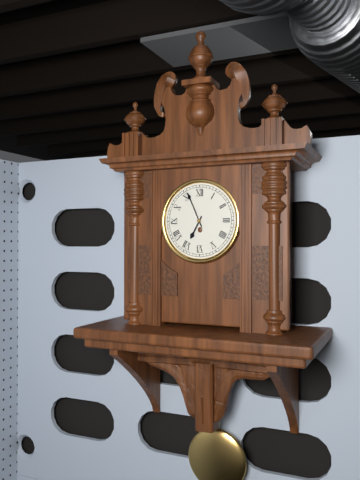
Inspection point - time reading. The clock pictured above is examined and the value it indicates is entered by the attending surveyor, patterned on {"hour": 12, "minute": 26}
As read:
{"hour": 6, "minute": 56}
